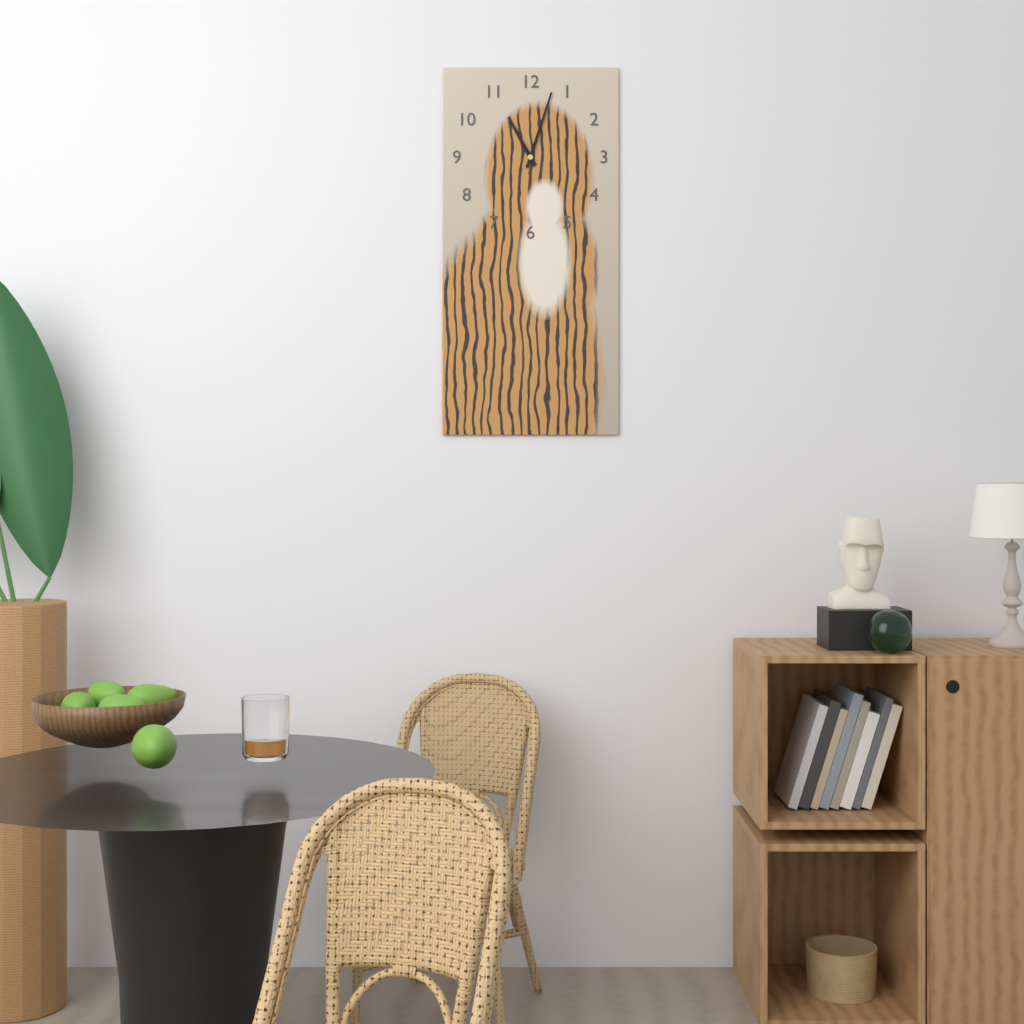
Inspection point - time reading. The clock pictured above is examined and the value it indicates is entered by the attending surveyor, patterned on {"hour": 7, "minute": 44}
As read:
{"hour": 11, "minute": 3}
